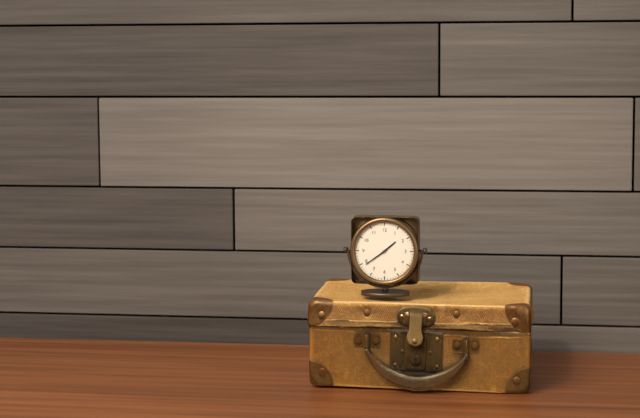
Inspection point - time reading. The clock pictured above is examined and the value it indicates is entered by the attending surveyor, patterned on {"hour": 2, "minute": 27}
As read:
{"hour": 1, "minute": 39}
